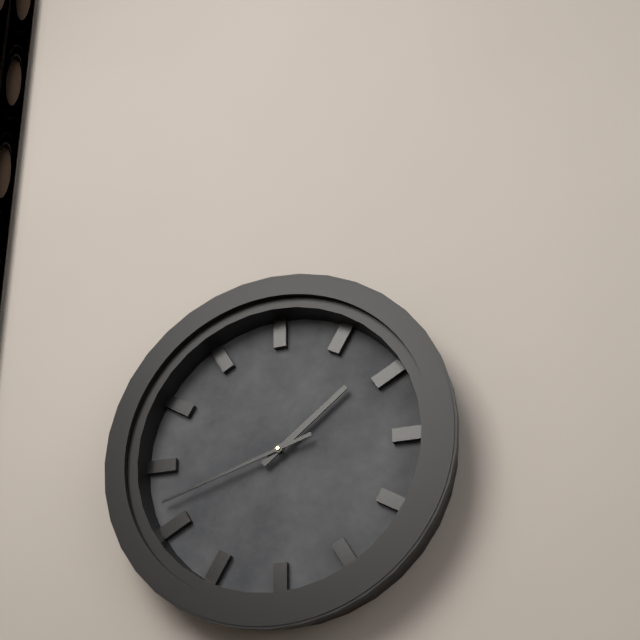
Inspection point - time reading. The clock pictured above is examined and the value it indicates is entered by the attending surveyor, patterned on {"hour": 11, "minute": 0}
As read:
{"hour": 1, "minute": 42}
